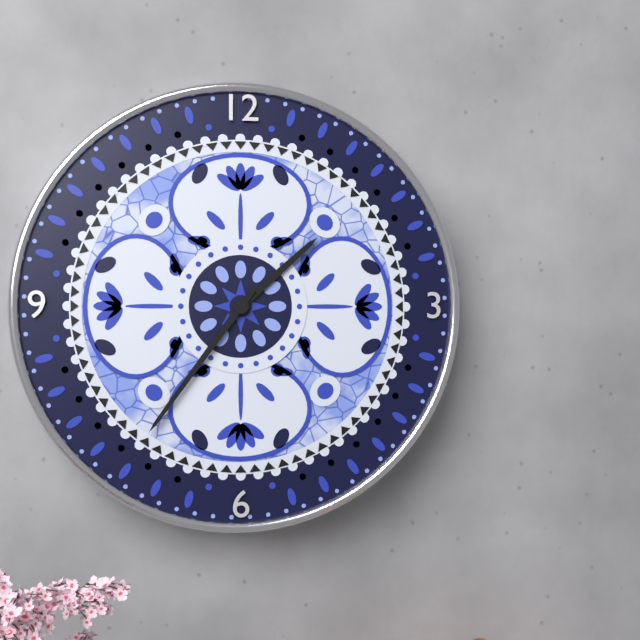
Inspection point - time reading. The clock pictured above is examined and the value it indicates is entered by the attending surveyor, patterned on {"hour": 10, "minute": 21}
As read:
{"hour": 1, "minute": 36}
